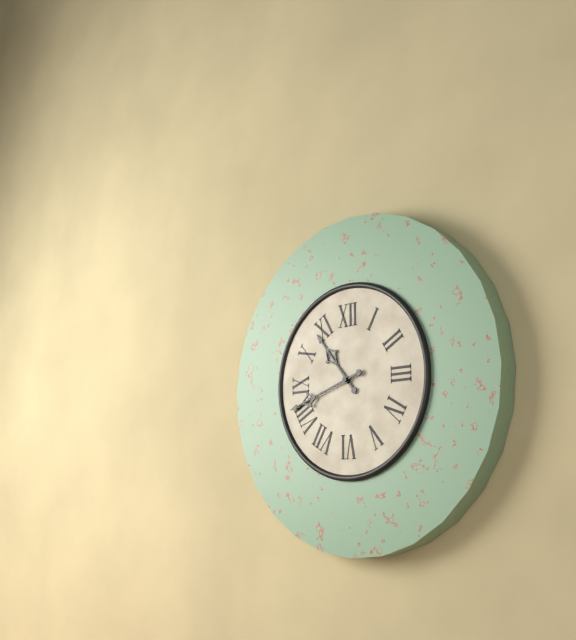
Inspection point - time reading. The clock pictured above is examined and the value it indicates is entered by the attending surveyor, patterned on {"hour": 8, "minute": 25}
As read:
{"hour": 10, "minute": 42}
